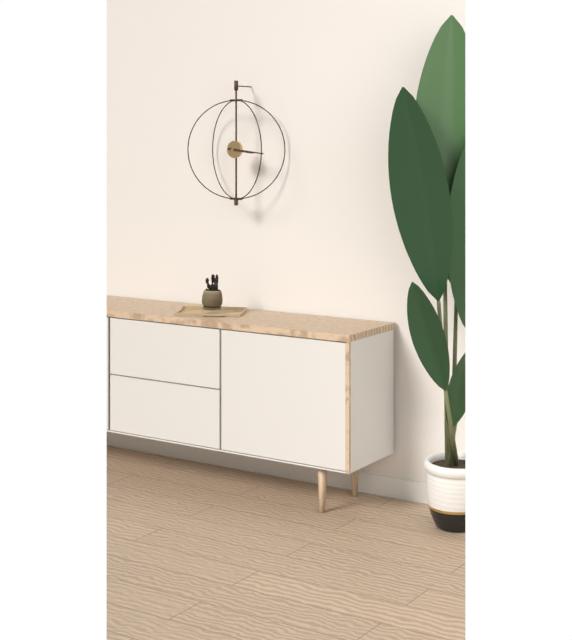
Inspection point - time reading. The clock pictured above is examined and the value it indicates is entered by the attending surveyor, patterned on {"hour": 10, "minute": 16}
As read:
{"hour": 3, "minute": 16}
